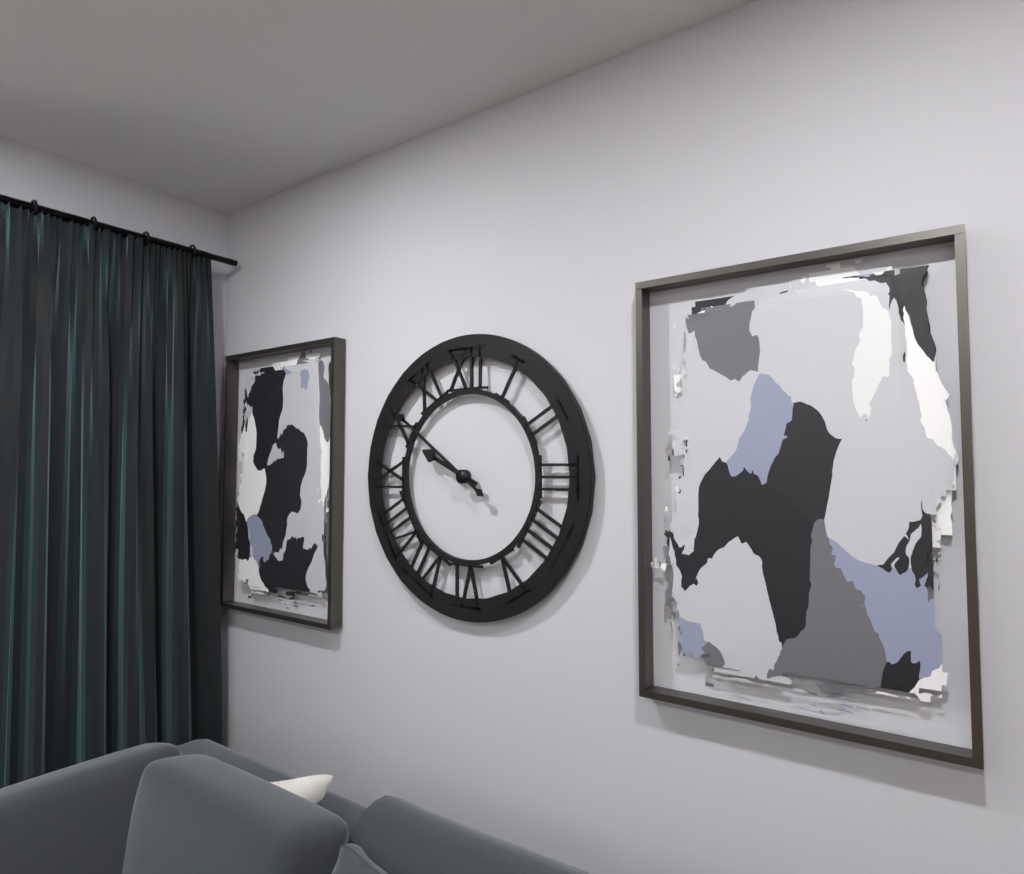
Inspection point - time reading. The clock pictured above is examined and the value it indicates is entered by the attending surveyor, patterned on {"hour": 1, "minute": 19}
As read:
{"hour": 9, "minute": 51}
